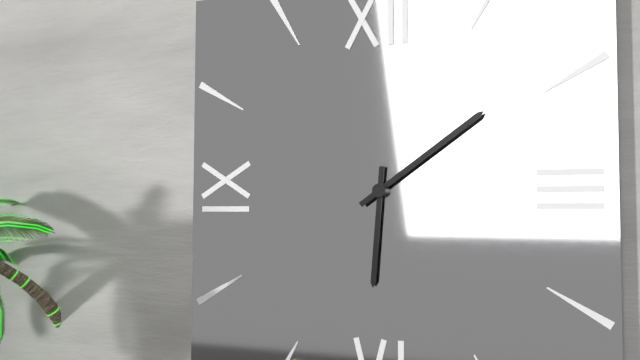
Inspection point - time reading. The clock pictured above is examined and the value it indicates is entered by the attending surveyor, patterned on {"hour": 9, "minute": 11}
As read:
{"hour": 6, "minute": 9}
